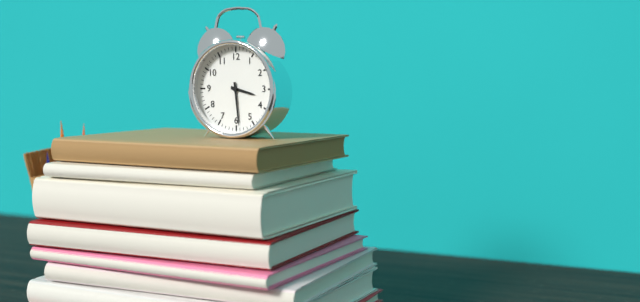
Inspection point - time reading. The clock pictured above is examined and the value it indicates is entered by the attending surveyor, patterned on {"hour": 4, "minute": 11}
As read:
{"hour": 3, "minute": 29}
